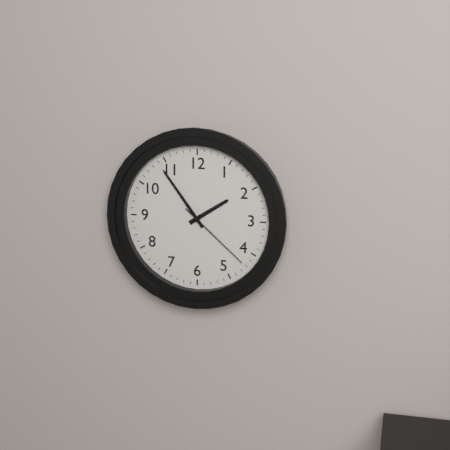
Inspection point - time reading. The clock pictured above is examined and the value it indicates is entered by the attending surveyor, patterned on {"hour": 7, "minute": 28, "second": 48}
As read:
{"hour": 1, "minute": 54, "second": 22}
